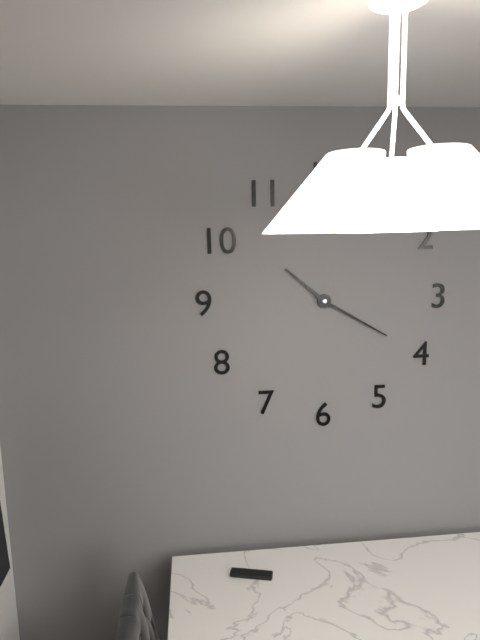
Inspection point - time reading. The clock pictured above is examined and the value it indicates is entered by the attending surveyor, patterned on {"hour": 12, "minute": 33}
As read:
{"hour": 10, "minute": 20}
